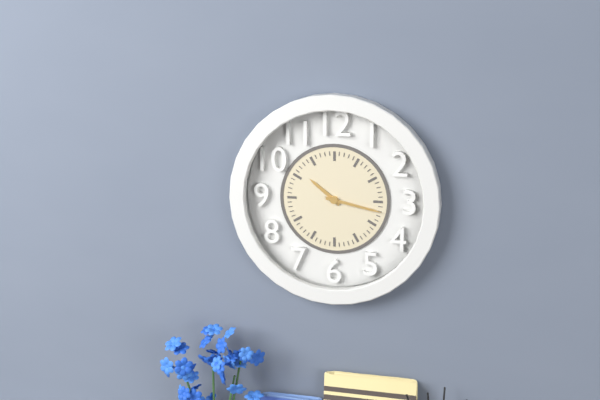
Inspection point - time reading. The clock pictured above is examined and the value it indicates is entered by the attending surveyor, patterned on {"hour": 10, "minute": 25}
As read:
{"hour": 10, "minute": 17}
